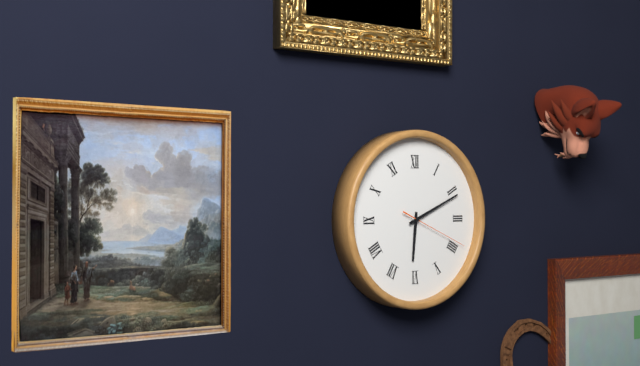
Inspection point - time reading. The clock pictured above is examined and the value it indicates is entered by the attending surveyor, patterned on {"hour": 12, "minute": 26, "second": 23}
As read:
{"hour": 6, "minute": 11, "second": 19}
